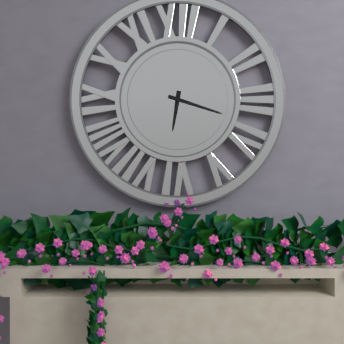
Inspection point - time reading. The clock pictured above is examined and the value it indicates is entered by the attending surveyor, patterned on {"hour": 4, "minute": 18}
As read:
{"hour": 6, "minute": 18}
